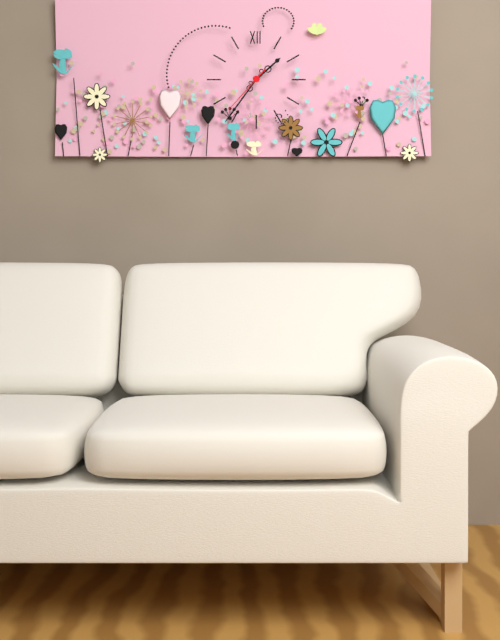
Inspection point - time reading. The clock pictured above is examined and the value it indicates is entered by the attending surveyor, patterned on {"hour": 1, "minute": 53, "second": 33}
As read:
{"hour": 1, "minute": 36, "second": 37}
